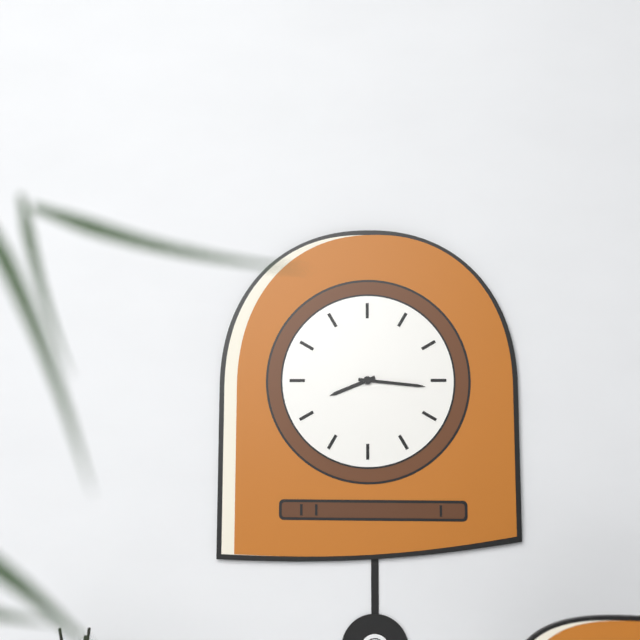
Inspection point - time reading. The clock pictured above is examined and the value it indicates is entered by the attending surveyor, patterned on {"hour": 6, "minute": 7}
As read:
{"hour": 8, "minute": 16}
